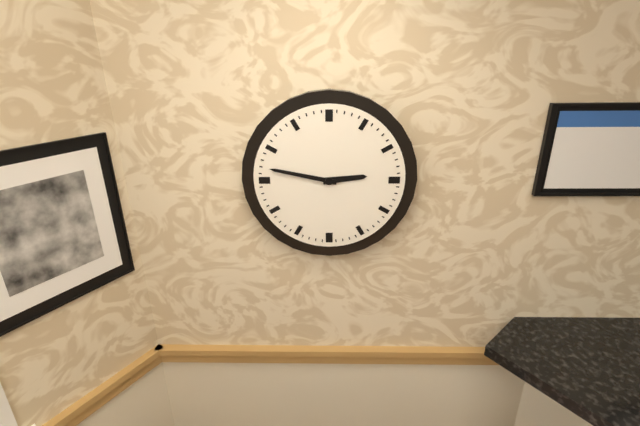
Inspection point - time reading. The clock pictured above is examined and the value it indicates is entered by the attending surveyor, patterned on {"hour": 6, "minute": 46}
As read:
{"hour": 2, "minute": 47}
